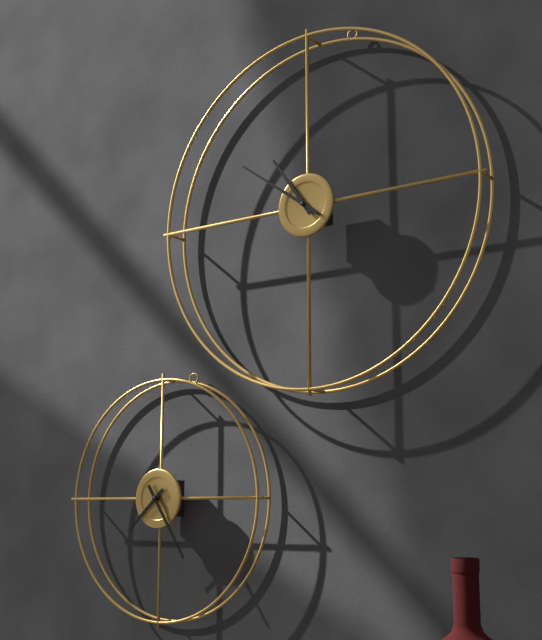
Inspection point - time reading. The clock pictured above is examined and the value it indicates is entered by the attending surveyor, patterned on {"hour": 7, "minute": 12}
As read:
{"hour": 10, "minute": 51}
